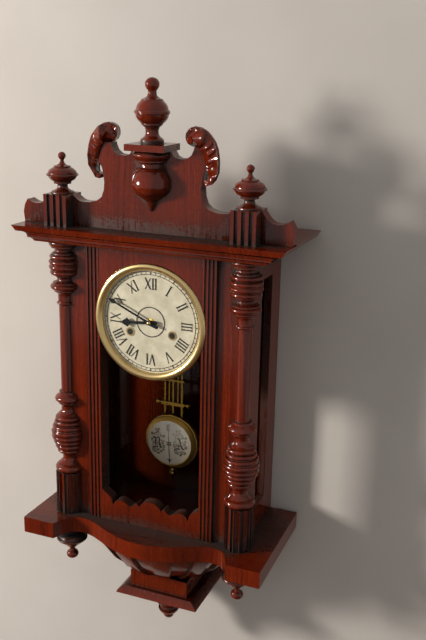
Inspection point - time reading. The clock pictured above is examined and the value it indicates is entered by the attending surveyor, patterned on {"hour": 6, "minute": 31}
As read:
{"hour": 8, "minute": 49}
